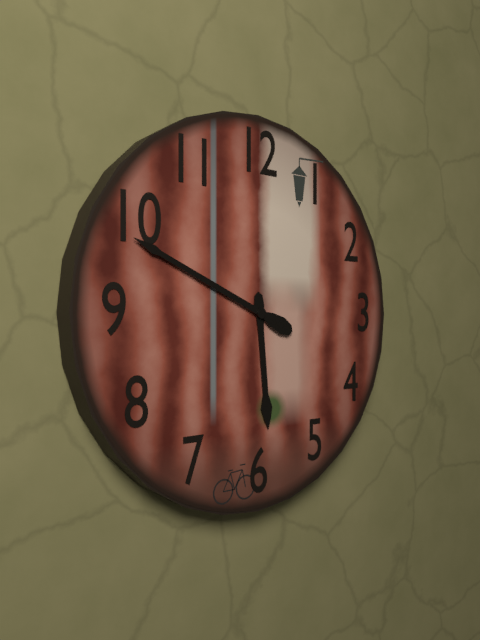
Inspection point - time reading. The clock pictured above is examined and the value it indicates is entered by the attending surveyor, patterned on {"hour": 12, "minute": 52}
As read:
{"hour": 5, "minute": 49}
